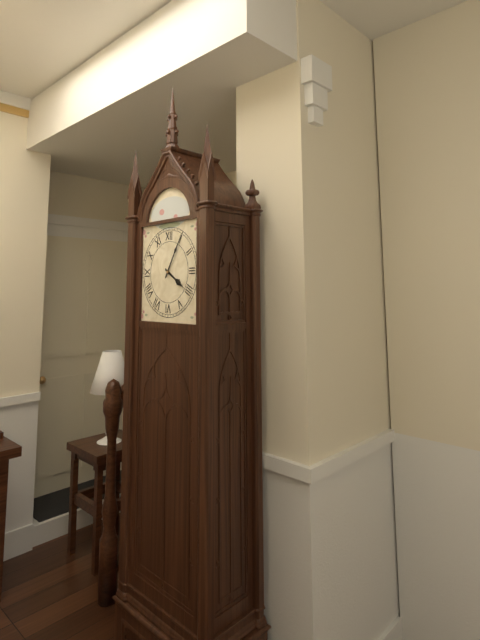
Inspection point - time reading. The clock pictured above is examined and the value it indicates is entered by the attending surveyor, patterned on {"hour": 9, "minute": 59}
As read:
{"hour": 4, "minute": 5}
